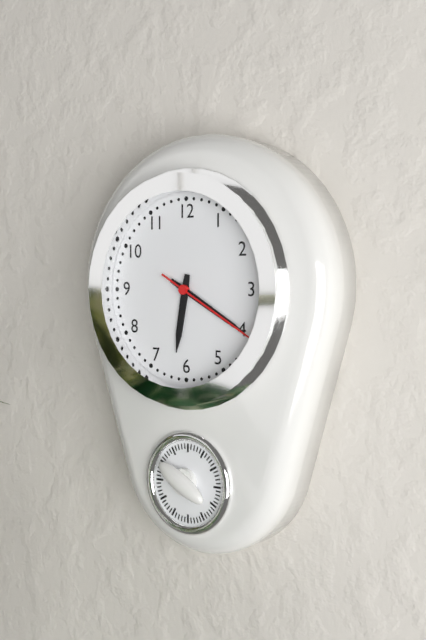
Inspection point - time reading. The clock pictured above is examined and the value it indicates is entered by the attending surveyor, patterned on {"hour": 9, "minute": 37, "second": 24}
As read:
{"hour": 6, "minute": 20, "second": 20}
